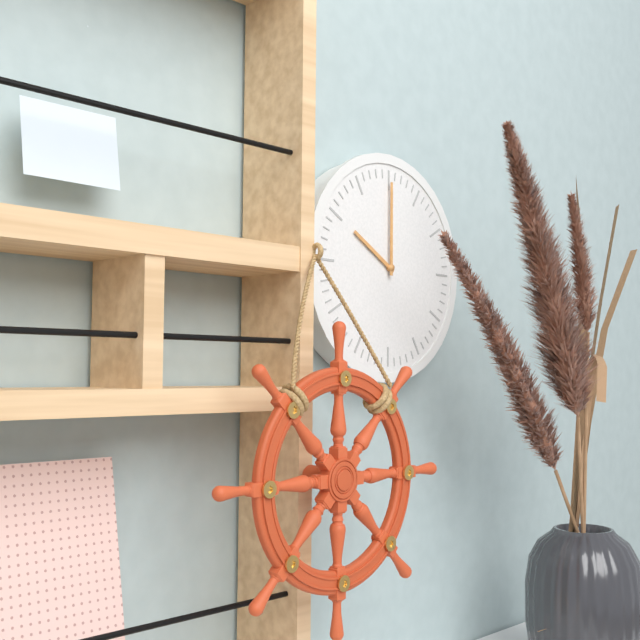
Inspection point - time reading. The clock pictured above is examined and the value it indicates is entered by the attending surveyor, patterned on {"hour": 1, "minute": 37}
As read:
{"hour": 10, "minute": 0}
